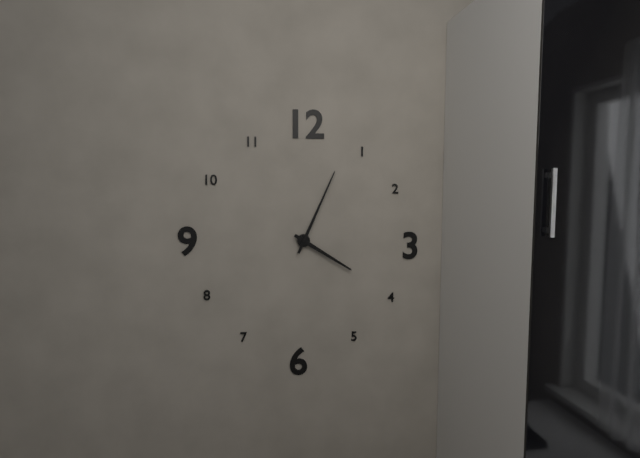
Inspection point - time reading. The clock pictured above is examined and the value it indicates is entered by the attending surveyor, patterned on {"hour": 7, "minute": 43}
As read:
{"hour": 4, "minute": 4}
